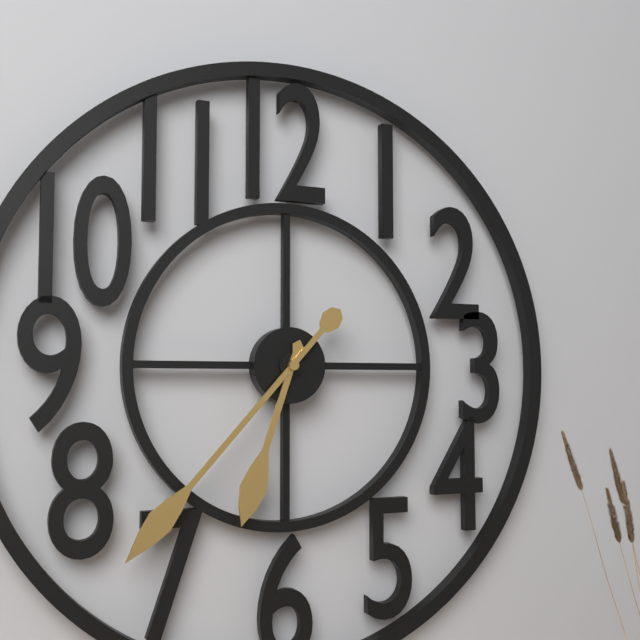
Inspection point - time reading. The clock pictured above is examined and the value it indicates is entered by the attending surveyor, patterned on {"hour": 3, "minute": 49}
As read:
{"hour": 6, "minute": 37}
